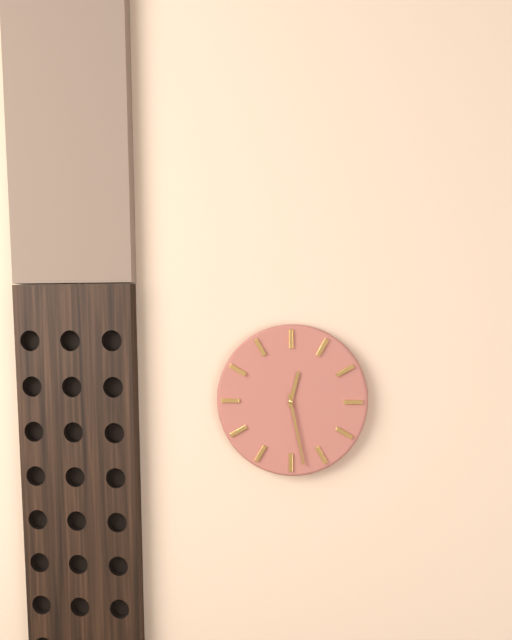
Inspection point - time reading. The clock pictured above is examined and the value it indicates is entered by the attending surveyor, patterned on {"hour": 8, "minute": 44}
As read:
{"hour": 12, "minute": 28}
